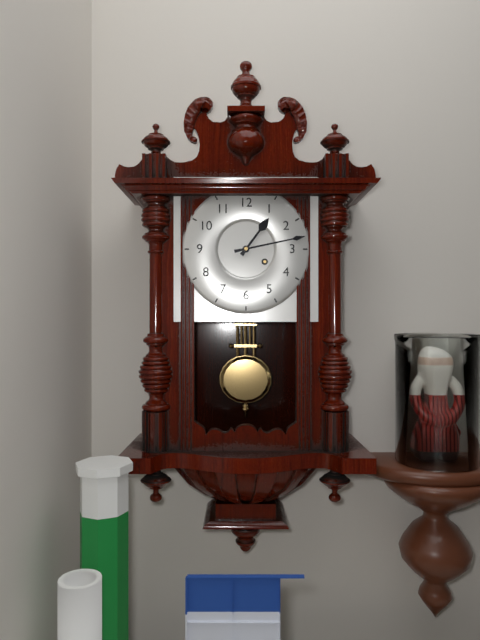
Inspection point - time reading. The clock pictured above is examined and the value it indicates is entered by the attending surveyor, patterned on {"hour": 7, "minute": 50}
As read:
{"hour": 1, "minute": 13}
